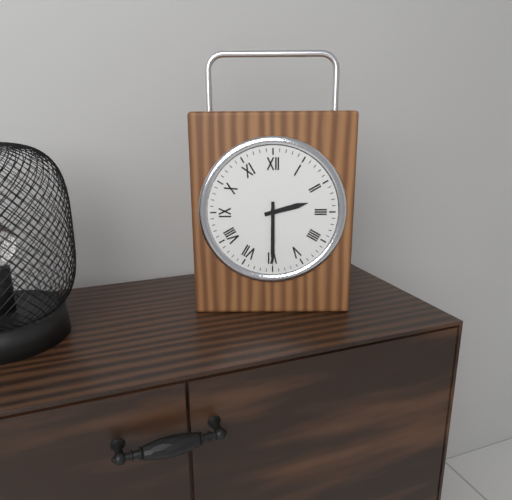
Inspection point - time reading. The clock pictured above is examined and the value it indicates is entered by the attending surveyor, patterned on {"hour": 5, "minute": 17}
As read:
{"hour": 2, "minute": 30}
